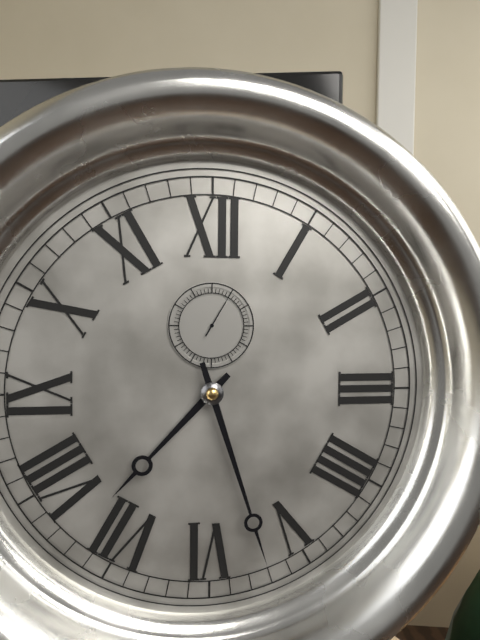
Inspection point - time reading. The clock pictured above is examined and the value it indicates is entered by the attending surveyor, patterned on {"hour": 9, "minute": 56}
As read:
{"hour": 7, "minute": 27}
